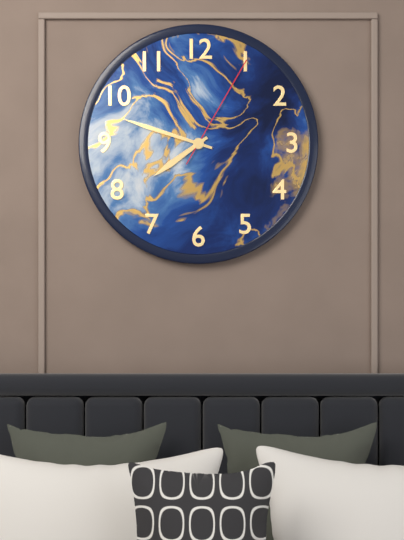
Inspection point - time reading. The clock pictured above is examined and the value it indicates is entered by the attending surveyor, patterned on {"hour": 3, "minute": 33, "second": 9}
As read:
{"hour": 7, "minute": 48, "second": 5}
